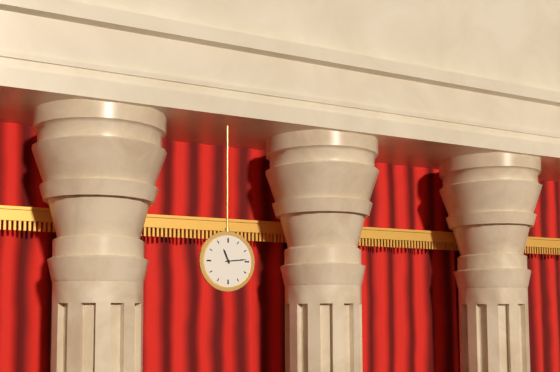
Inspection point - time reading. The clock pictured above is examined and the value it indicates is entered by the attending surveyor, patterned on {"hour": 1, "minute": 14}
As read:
{"hour": 11, "minute": 14}
